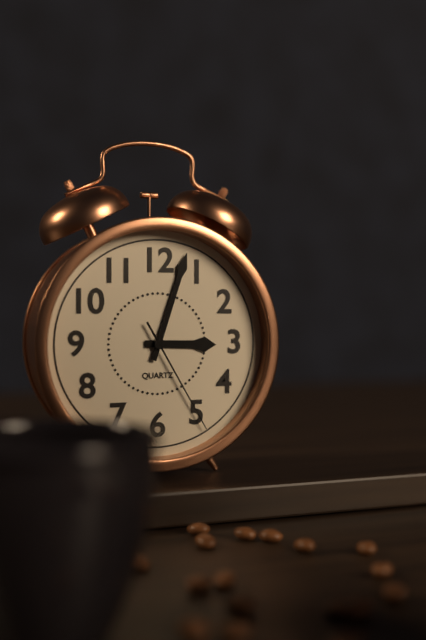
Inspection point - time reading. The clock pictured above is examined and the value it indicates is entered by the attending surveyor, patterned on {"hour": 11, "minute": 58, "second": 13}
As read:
{"hour": 3, "minute": 3, "second": 25}
